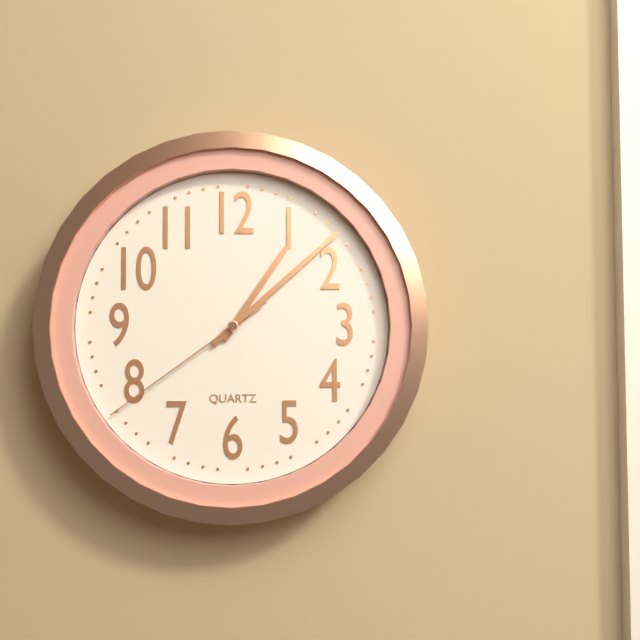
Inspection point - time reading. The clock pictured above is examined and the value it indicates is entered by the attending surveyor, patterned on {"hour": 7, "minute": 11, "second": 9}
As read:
{"hour": 1, "minute": 8, "second": 39}
